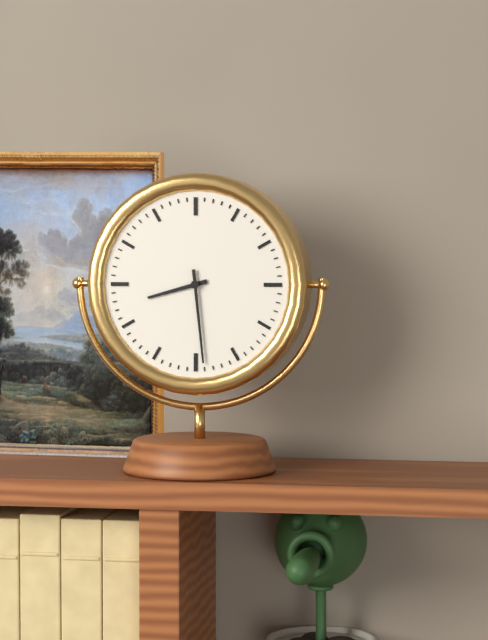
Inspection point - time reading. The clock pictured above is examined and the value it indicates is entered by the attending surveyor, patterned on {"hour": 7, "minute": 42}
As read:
{"hour": 8, "minute": 29}
